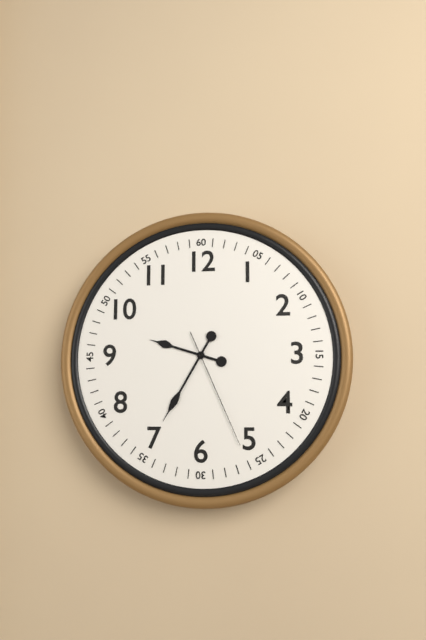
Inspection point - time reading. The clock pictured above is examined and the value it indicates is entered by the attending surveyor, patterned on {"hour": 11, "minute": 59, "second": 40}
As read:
{"hour": 9, "minute": 35, "second": 26}
